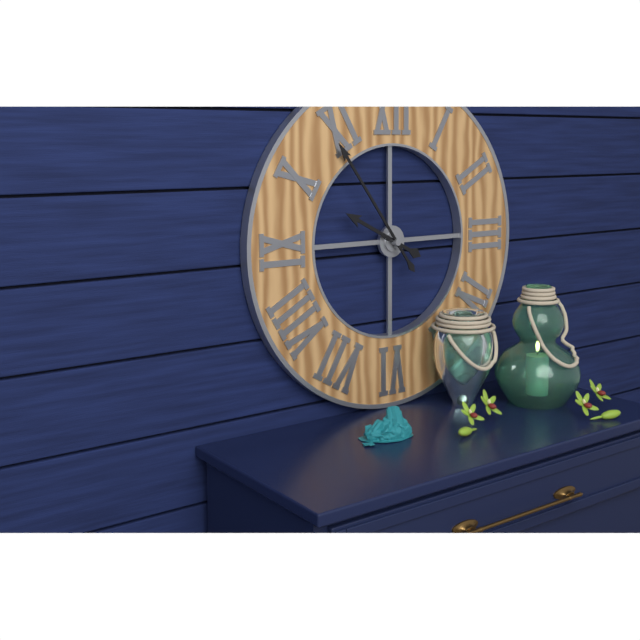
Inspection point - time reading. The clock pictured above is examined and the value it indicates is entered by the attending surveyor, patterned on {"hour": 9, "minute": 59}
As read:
{"hour": 9, "minute": 54}
